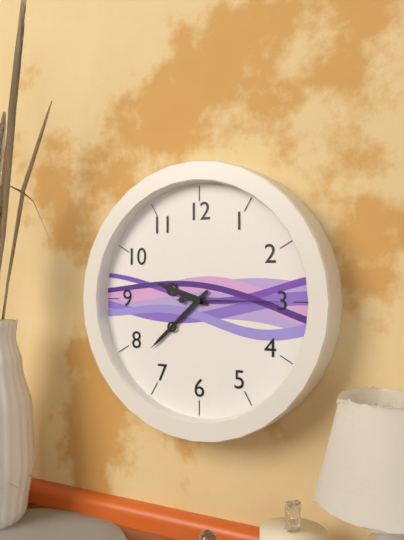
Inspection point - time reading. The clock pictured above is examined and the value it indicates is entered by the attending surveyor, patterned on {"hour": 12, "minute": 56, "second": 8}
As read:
{"hour": 9, "minute": 38, "second": 15}
